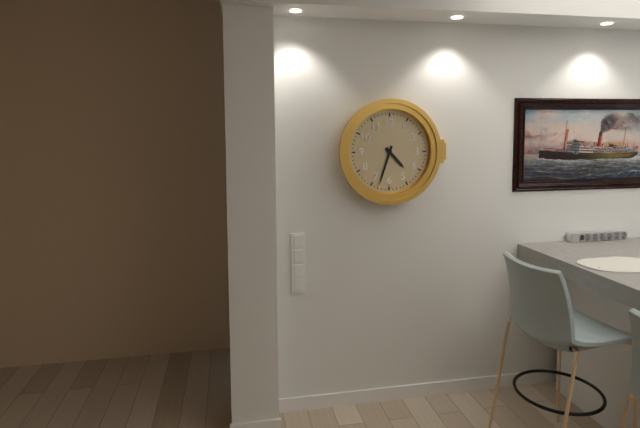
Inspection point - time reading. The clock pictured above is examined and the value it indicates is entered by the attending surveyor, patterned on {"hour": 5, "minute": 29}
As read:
{"hour": 4, "minute": 33}
